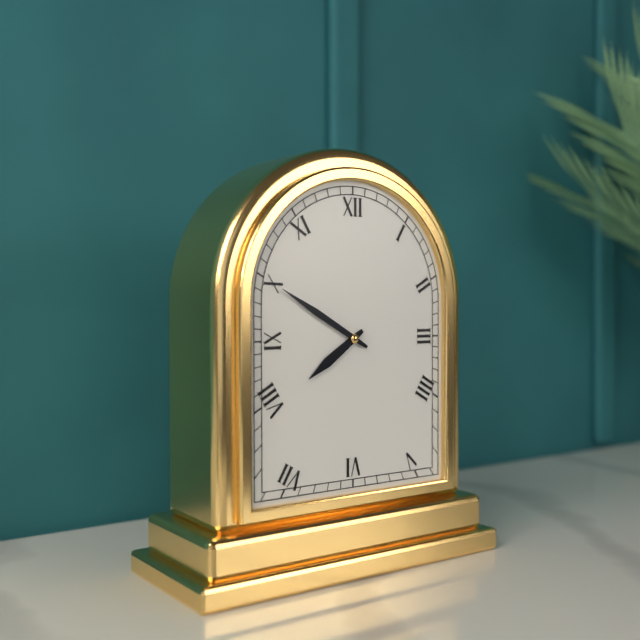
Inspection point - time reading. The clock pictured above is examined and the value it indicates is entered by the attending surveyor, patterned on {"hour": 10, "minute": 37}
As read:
{"hour": 7, "minute": 50}
